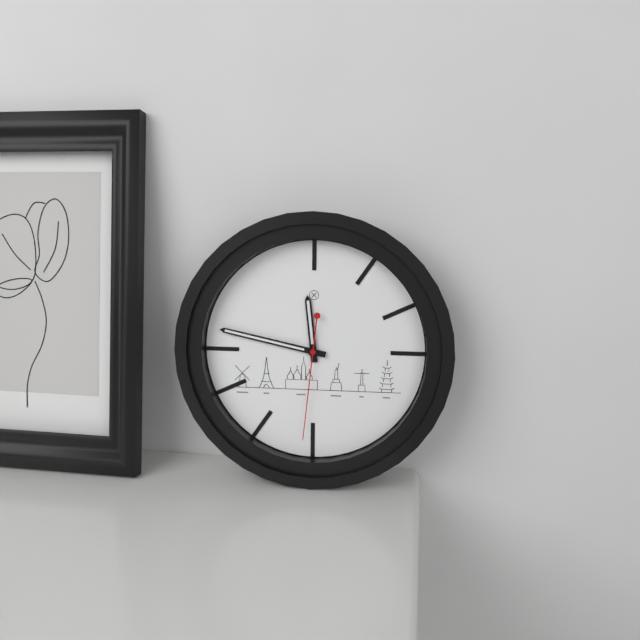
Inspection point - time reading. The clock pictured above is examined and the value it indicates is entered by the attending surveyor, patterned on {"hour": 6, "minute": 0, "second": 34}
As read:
{"hour": 11, "minute": 47, "second": 31}
